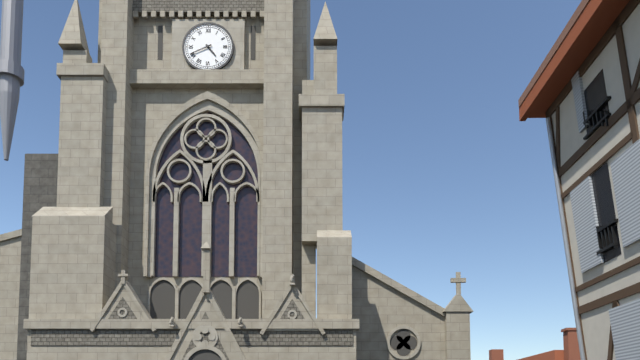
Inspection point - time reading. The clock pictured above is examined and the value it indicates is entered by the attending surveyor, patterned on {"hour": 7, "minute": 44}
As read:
{"hour": 4, "minute": 41}
